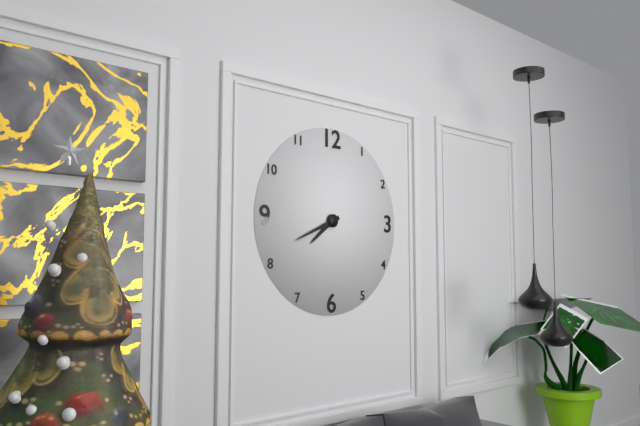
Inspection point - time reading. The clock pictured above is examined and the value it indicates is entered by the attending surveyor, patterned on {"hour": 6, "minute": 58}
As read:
{"hour": 7, "minute": 41}
